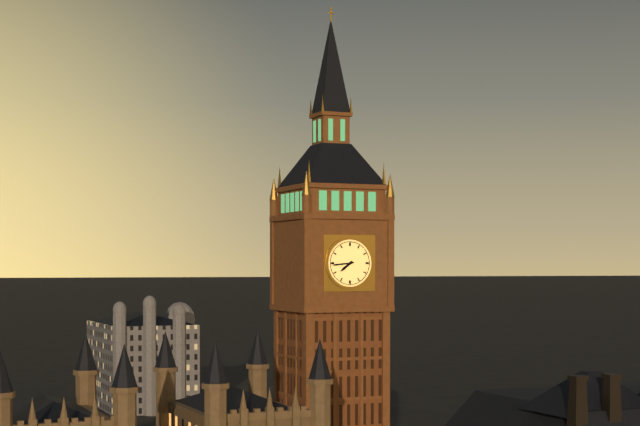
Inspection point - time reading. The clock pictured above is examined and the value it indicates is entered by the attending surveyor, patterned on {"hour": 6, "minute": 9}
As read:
{"hour": 7, "minute": 44}
